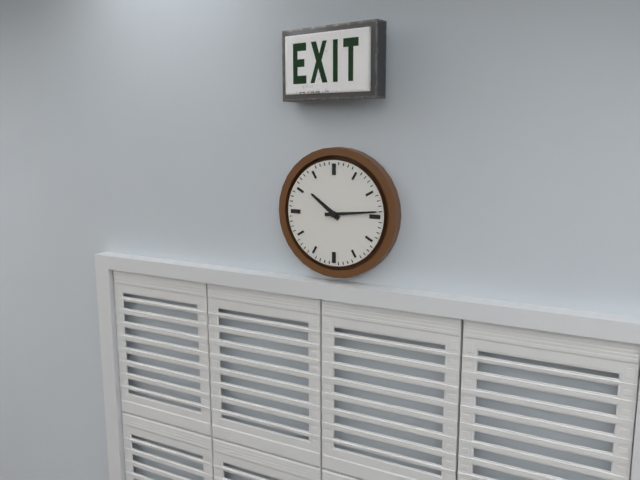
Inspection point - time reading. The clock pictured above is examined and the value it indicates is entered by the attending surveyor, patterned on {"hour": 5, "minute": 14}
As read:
{"hour": 10, "minute": 14}
